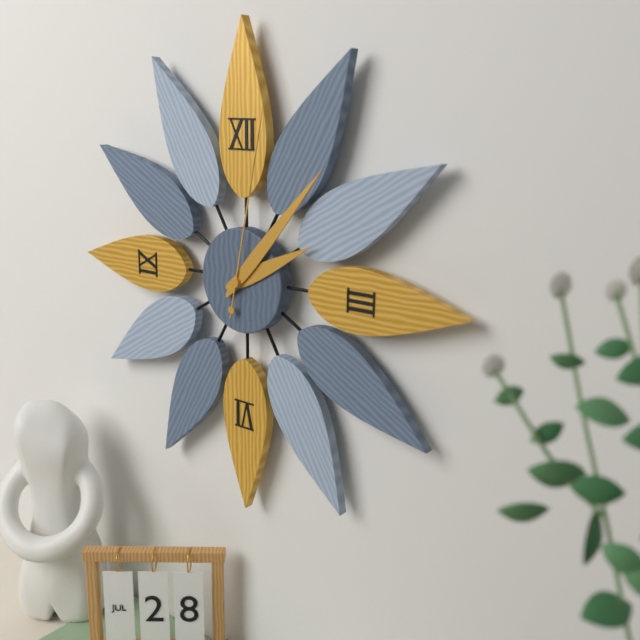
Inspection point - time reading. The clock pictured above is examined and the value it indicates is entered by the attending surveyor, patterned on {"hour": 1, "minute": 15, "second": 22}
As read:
{"hour": 2, "minute": 7, "second": 2}
